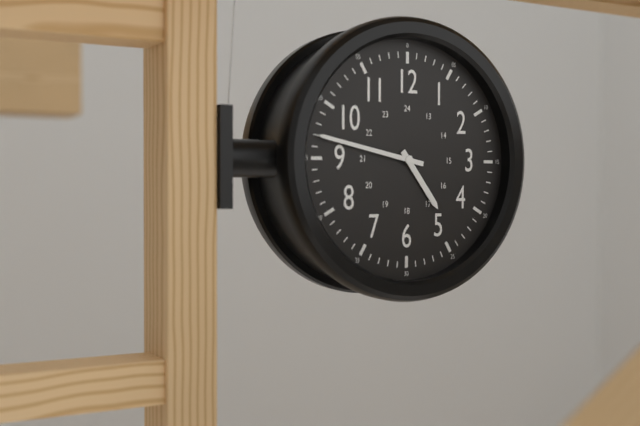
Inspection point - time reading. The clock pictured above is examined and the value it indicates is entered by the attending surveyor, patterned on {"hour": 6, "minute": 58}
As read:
{"hour": 4, "minute": 47}
